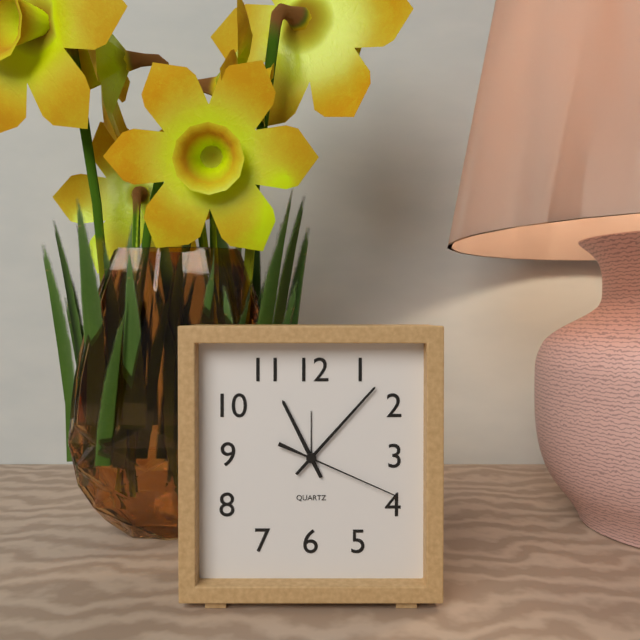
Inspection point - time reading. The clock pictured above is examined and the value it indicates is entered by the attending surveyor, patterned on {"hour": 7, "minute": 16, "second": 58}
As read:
{"hour": 11, "minute": 7, "second": 19}
